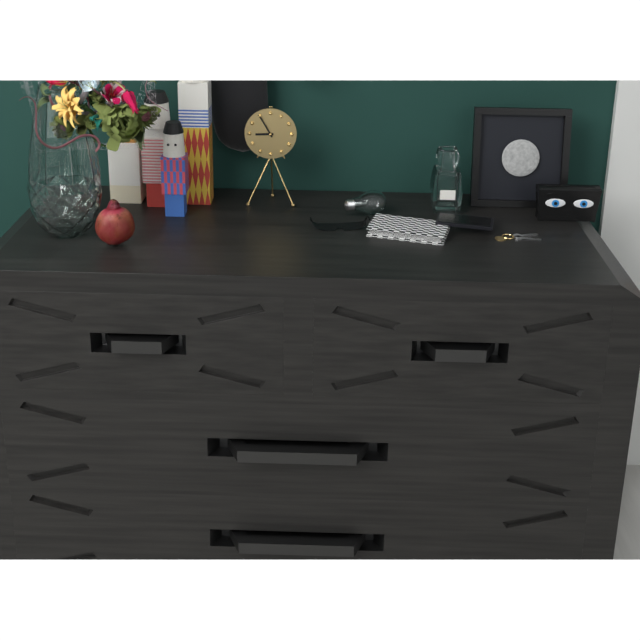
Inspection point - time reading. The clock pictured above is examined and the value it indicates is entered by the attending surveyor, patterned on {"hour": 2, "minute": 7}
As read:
{"hour": 8, "minute": 55}
